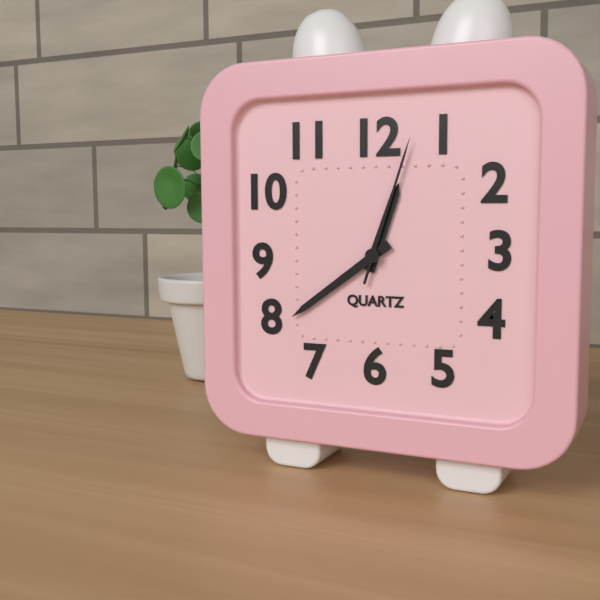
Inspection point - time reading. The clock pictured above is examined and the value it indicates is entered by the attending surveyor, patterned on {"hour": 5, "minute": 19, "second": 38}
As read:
{"hour": 12, "minute": 39, "second": 3}
